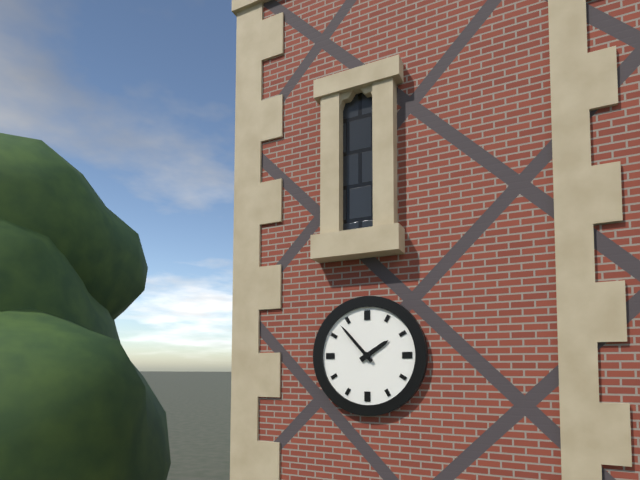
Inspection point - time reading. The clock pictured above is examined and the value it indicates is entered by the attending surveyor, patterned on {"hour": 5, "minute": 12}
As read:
{"hour": 1, "minute": 53}
